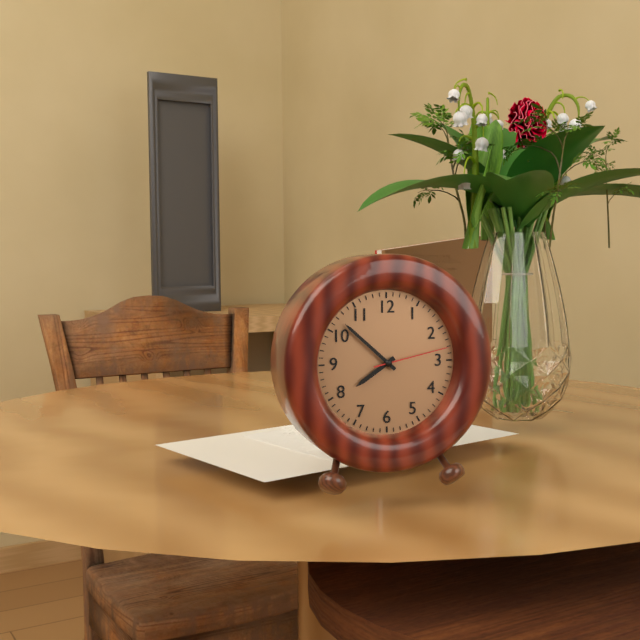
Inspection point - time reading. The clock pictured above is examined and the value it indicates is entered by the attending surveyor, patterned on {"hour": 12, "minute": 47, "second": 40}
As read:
{"hour": 7, "minute": 52, "second": 13}
